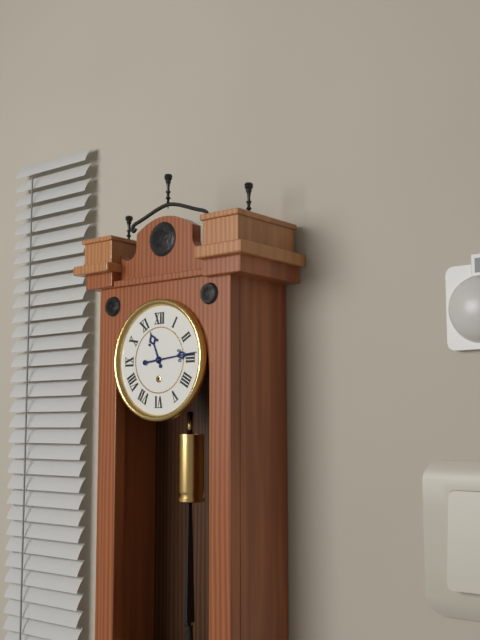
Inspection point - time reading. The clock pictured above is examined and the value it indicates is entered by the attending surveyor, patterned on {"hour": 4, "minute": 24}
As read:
{"hour": 11, "minute": 14}
